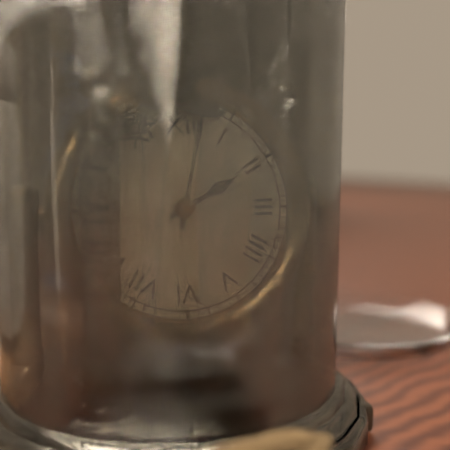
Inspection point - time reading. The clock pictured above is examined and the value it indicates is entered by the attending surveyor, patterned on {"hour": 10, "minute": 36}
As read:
{"hour": 2, "minute": 2}
